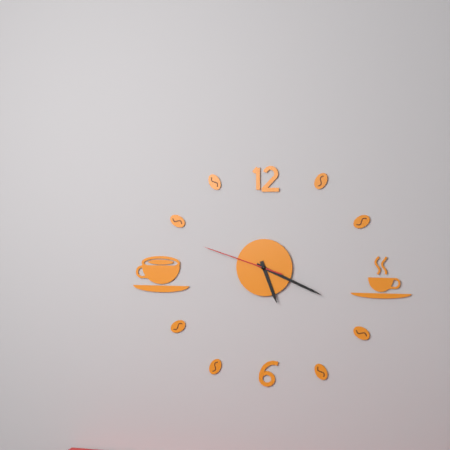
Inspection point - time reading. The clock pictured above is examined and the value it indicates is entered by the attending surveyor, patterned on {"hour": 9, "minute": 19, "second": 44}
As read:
{"hour": 5, "minute": 19, "second": 48}
